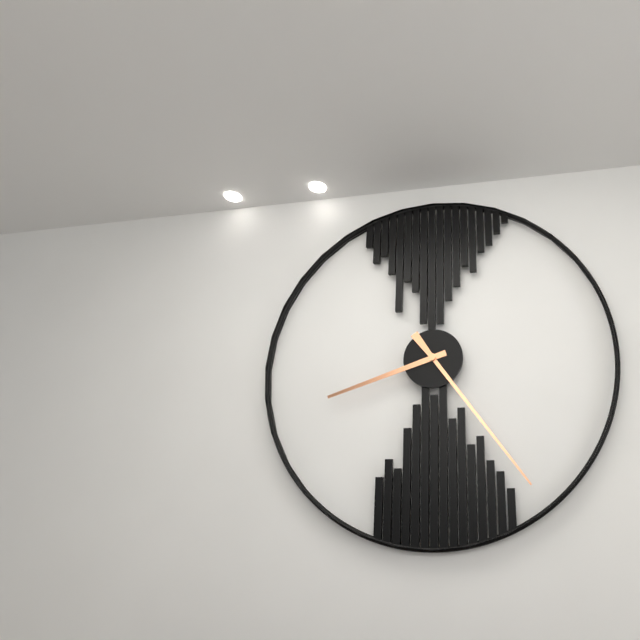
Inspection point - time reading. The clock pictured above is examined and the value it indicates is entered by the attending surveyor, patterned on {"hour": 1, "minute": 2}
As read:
{"hour": 8, "minute": 24}
